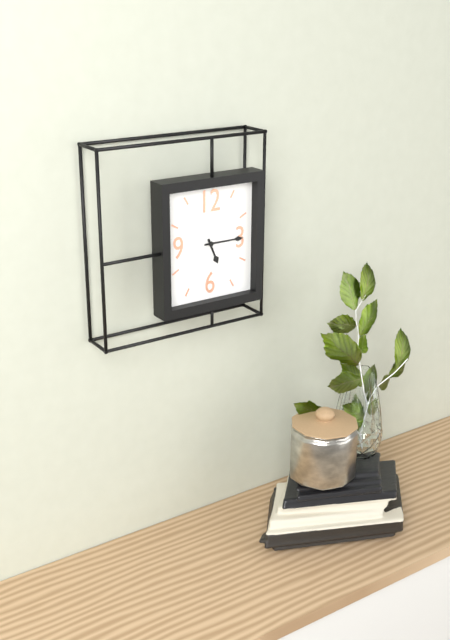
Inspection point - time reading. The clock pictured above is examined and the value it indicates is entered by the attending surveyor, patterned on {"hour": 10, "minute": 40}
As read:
{"hour": 5, "minute": 15}
